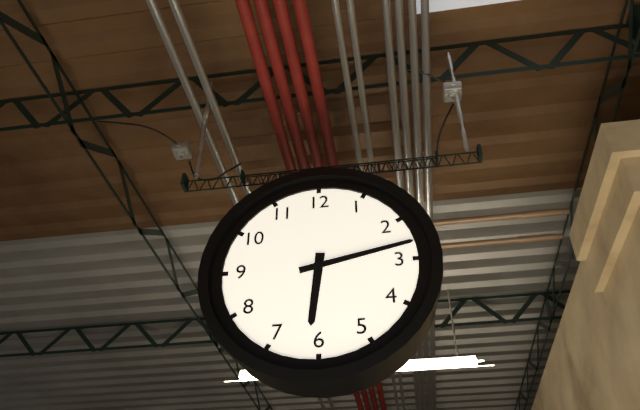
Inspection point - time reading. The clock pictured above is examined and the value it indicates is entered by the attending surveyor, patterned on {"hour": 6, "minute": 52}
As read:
{"hour": 6, "minute": 13}
